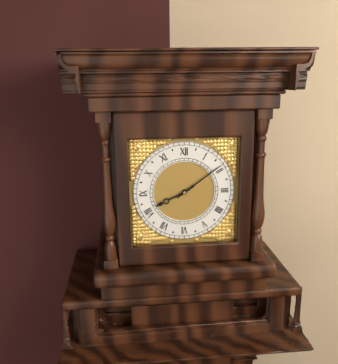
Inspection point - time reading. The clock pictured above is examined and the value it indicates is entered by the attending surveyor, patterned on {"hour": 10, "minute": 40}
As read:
{"hour": 8, "minute": 9}
